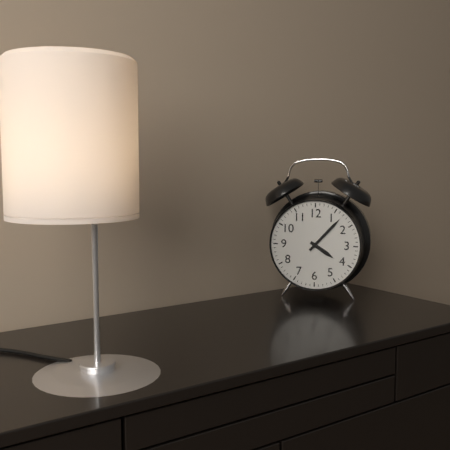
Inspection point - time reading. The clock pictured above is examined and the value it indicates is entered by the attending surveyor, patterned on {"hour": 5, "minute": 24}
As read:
{"hour": 4, "minute": 7}
